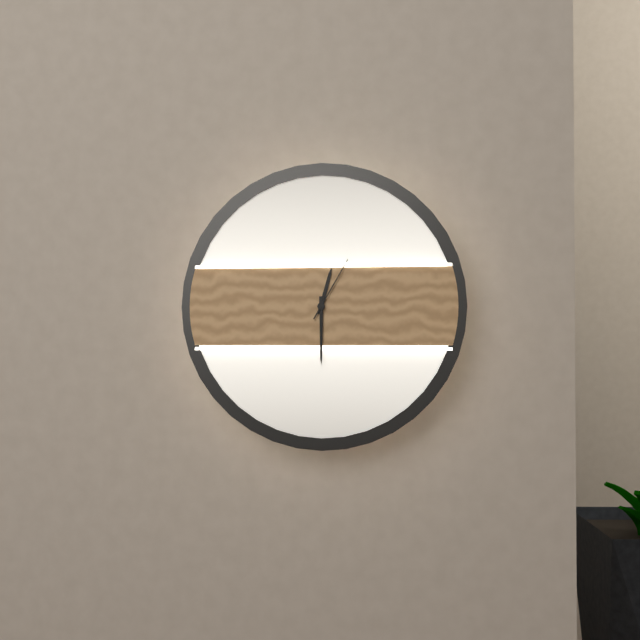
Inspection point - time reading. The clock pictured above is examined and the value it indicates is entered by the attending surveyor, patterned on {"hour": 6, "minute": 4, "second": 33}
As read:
{"hour": 12, "minute": 30, "second": 5}
